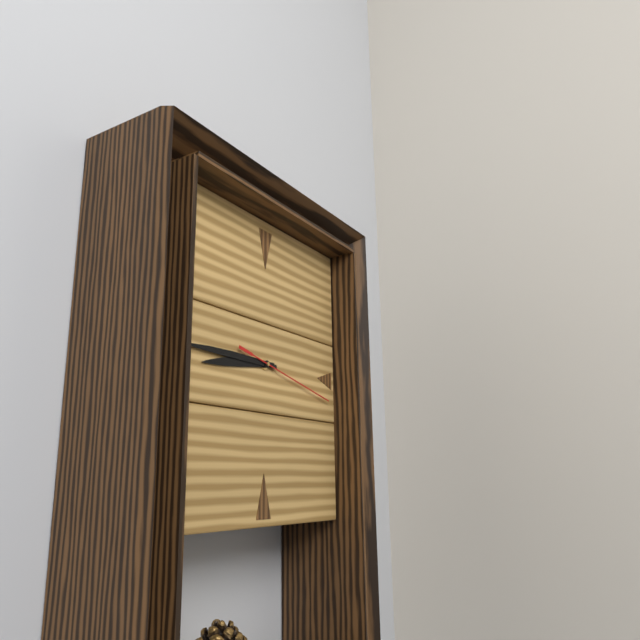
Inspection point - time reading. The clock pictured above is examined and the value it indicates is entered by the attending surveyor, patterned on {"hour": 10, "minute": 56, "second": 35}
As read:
{"hour": 8, "minute": 45, "second": 17}
